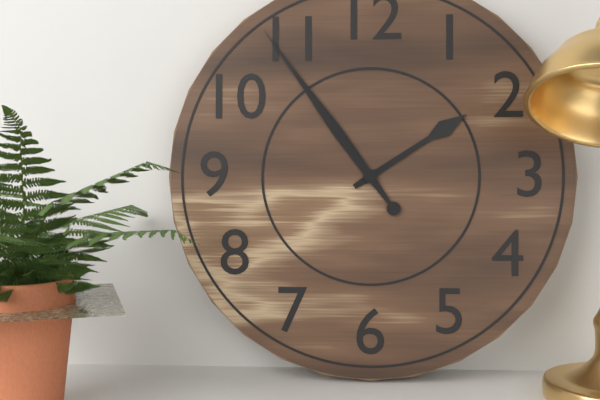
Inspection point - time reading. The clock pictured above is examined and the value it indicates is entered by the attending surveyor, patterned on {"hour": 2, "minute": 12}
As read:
{"hour": 1, "minute": 54}
